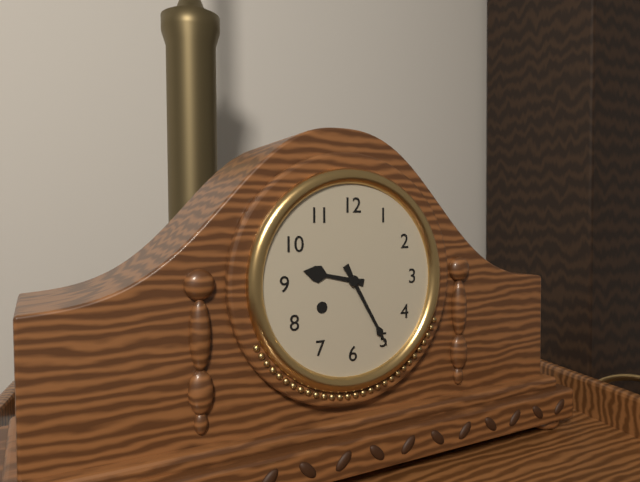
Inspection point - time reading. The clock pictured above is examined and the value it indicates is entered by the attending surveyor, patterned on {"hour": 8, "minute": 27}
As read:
{"hour": 9, "minute": 25}
